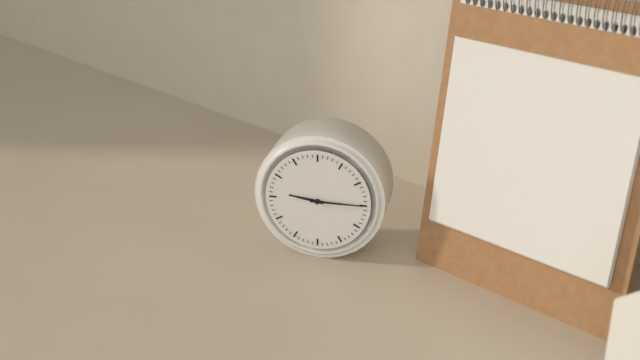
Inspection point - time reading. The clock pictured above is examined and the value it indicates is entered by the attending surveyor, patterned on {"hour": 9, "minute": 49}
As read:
{"hour": 9, "minute": 15}
